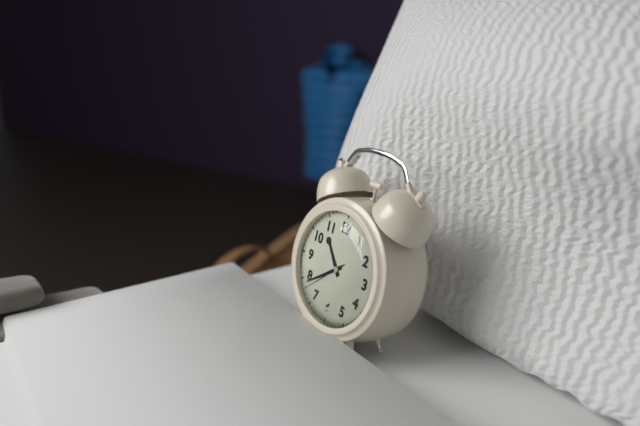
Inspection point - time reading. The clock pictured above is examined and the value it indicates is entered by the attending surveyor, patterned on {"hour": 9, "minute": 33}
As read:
{"hour": 10, "minute": 39}
